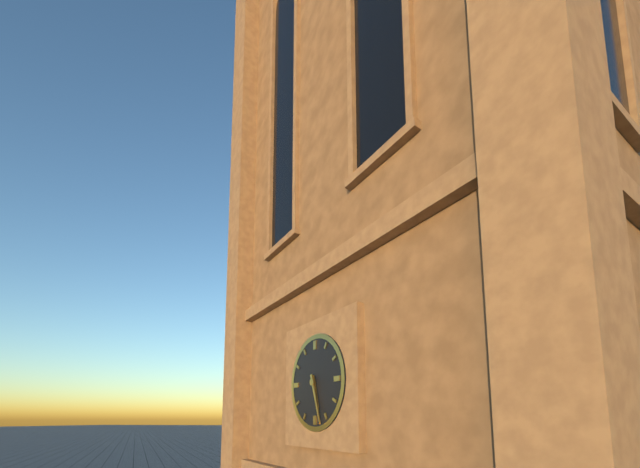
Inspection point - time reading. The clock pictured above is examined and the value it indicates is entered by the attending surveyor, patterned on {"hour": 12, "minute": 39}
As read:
{"hour": 5, "minute": 27}
